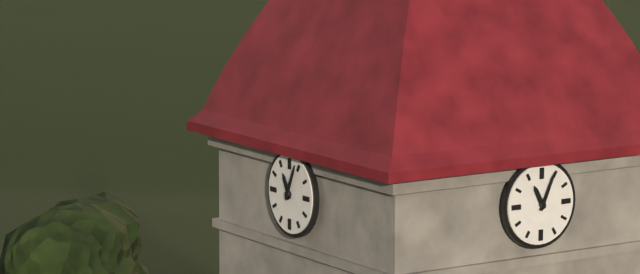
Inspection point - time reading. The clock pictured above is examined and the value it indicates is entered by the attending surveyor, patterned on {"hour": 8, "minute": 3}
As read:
{"hour": 11, "minute": 4}
